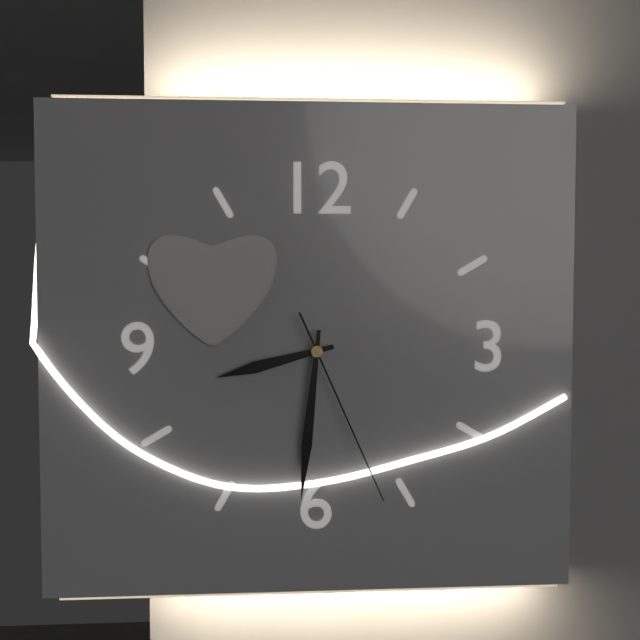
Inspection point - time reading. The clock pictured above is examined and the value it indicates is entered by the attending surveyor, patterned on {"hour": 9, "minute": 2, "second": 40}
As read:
{"hour": 8, "minute": 31, "second": 26}
